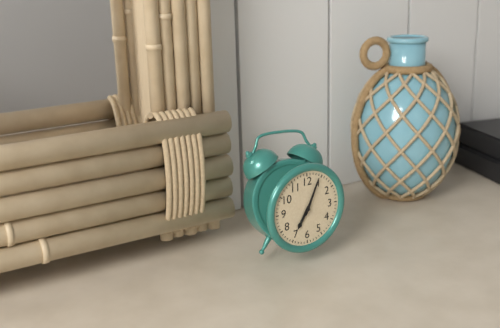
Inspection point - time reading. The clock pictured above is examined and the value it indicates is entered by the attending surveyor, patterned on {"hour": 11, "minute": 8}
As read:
{"hour": 7, "minute": 4}
